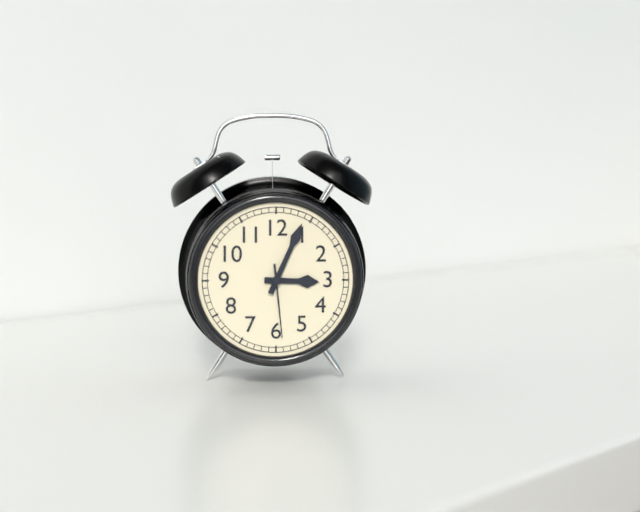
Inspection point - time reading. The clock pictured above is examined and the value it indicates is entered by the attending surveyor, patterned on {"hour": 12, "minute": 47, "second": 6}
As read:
{"hour": 3, "minute": 4, "second": 29}
